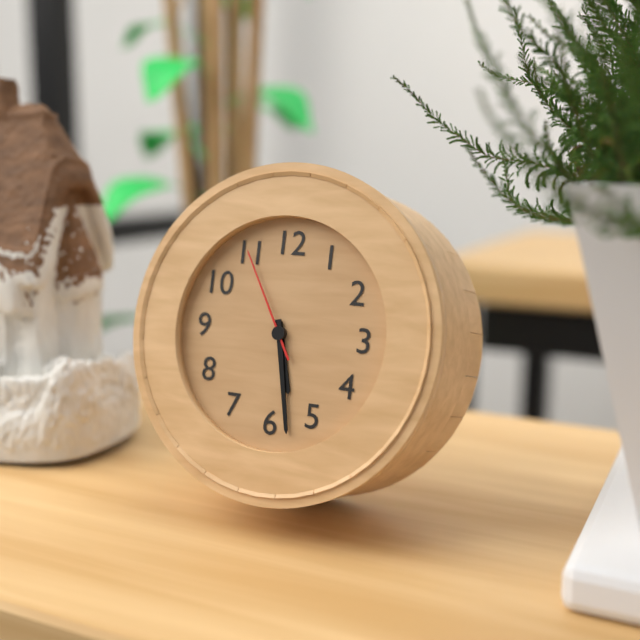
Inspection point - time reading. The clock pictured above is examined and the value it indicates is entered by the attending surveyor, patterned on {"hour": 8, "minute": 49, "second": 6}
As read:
{"hour": 5, "minute": 28, "second": 55}
